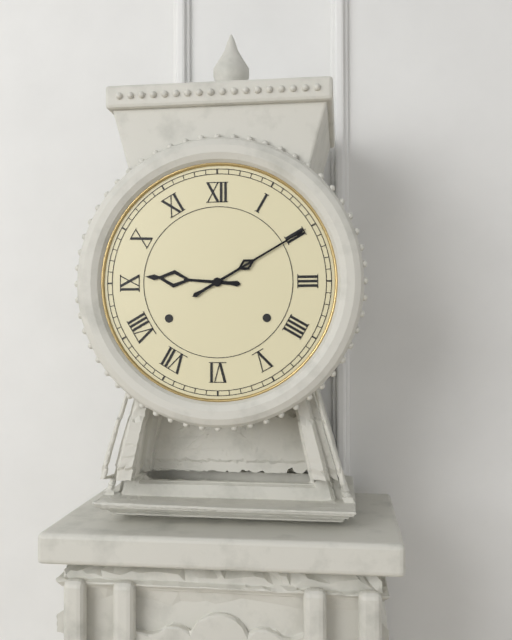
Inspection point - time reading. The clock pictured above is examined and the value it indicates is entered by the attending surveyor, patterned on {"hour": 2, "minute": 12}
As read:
{"hour": 9, "minute": 10}
